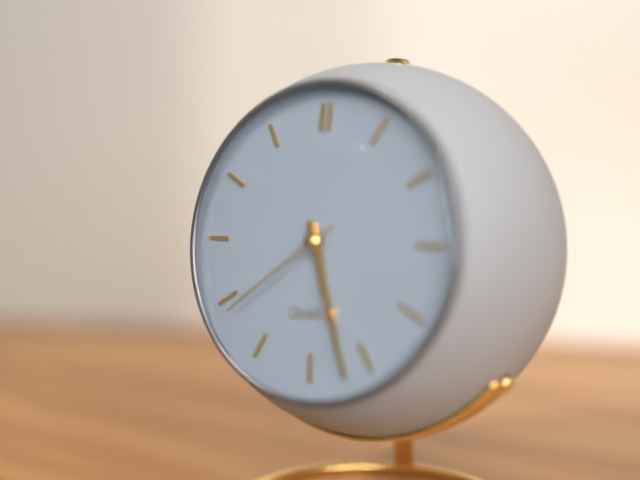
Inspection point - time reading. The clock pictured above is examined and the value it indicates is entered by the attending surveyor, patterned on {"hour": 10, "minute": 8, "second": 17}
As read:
{"hour": 5, "minute": 27, "second": 39}
